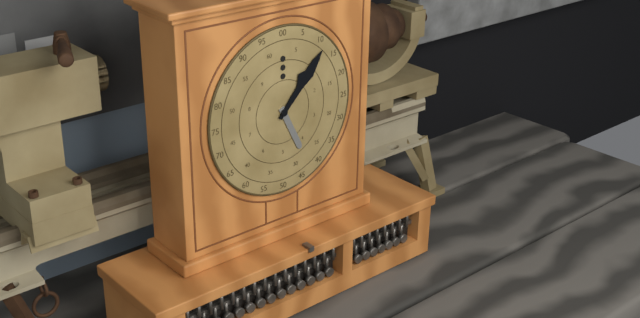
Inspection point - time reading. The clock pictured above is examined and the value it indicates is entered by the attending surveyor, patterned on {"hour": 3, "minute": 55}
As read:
{"hour": 5, "minute": 7}
